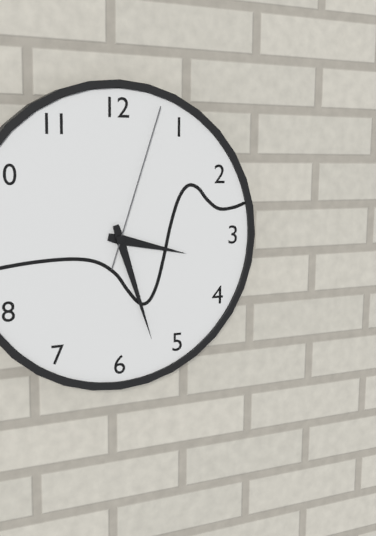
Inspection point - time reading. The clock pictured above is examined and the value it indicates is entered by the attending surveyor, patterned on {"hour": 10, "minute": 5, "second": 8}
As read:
{"hour": 3, "minute": 27, "second": 3}
